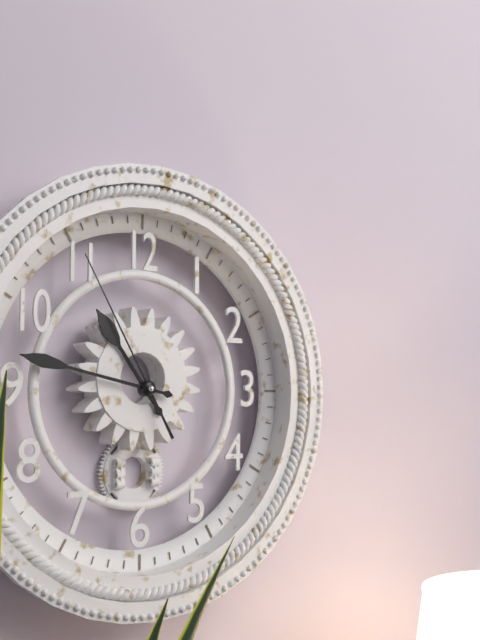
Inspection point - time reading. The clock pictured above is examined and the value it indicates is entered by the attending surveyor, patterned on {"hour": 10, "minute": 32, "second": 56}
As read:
{"hour": 10, "minute": 47, "second": 55}
